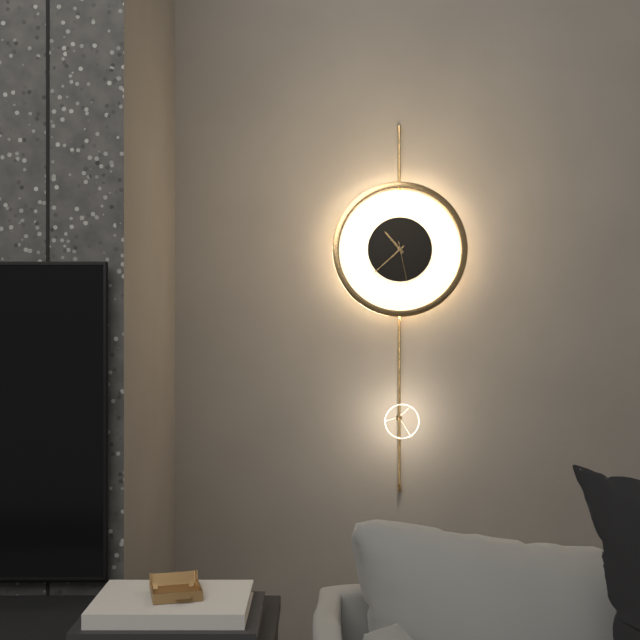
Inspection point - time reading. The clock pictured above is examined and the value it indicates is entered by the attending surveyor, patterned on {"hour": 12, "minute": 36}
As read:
{"hour": 10, "minute": 38}
